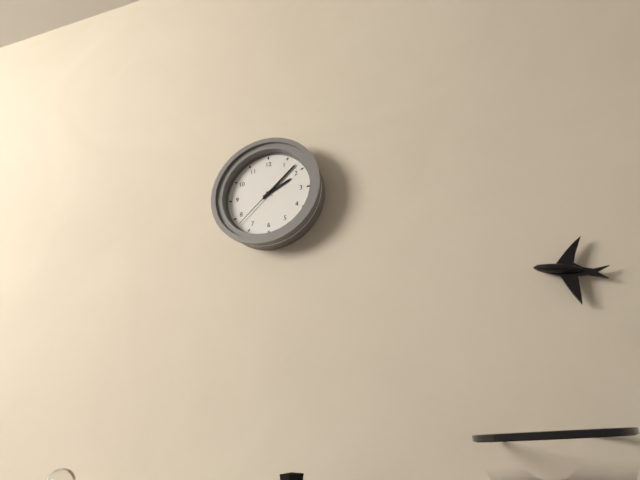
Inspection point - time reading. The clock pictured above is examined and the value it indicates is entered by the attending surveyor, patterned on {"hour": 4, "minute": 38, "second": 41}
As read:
{"hour": 2, "minute": 8, "second": 38}
